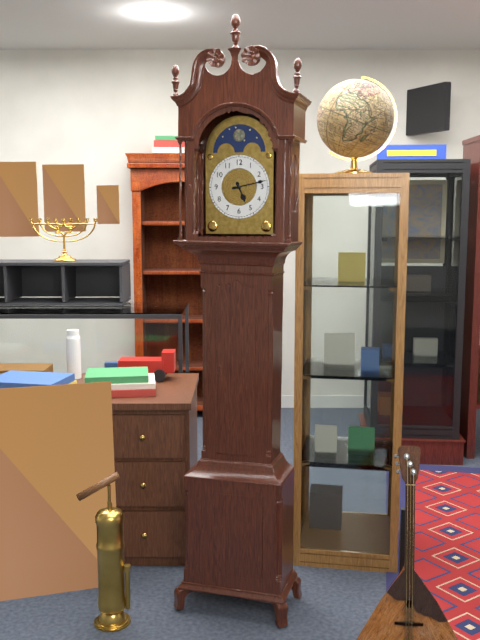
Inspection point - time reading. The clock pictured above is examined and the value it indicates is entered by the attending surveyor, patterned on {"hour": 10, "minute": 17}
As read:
{"hour": 5, "minute": 13}
